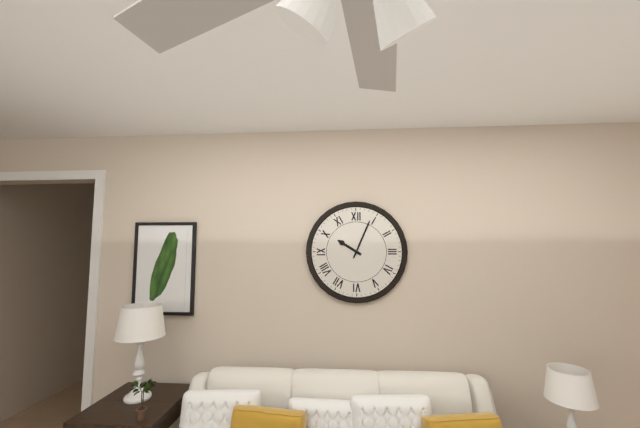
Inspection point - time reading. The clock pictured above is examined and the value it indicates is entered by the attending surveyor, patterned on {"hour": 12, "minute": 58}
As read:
{"hour": 10, "minute": 4}
